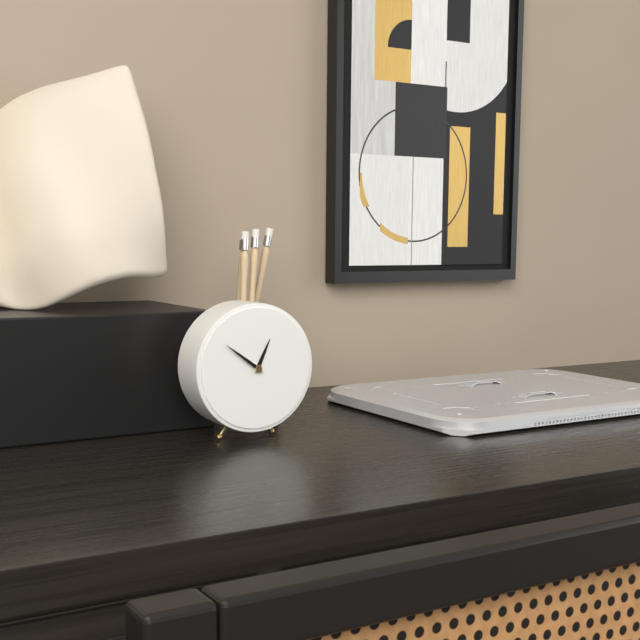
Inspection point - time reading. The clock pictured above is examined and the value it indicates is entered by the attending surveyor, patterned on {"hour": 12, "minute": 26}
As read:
{"hour": 12, "minute": 51}
